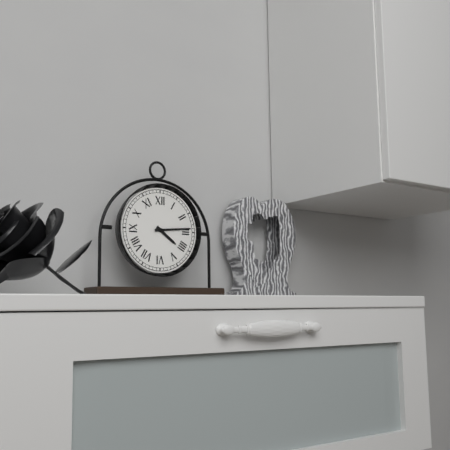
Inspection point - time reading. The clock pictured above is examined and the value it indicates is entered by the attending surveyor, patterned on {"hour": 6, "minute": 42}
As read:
{"hour": 4, "minute": 14}
